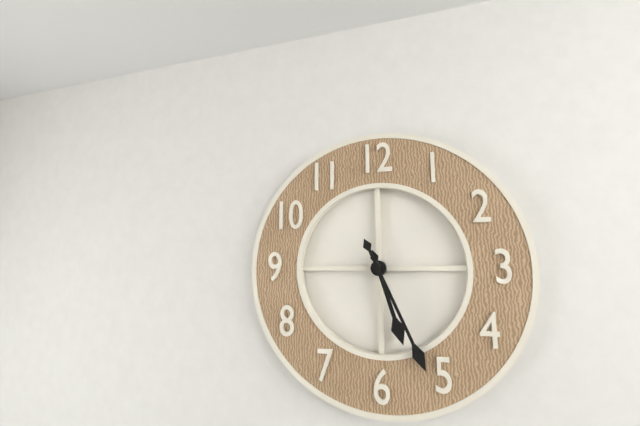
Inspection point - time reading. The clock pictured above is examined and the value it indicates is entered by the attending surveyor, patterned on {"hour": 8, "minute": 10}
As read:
{"hour": 5, "minute": 26}
